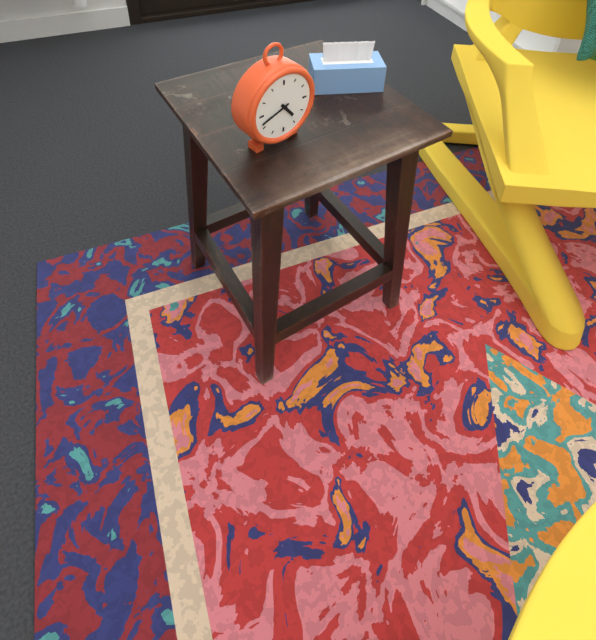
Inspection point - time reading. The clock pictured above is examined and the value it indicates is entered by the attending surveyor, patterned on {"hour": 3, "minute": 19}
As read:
{"hour": 4, "minute": 42}
